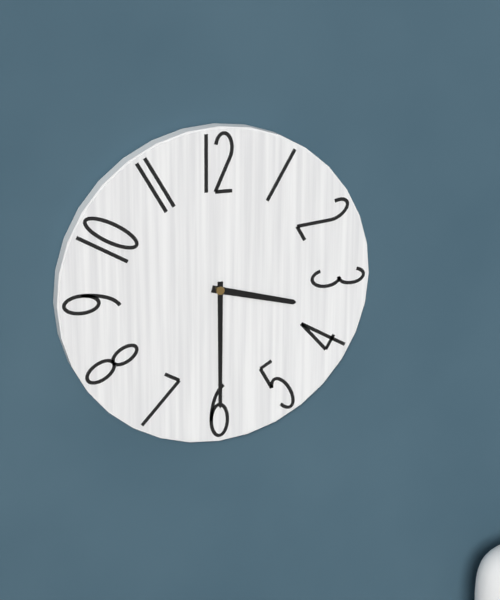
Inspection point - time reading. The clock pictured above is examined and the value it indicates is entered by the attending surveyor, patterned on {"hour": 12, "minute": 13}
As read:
{"hour": 3, "minute": 30}
